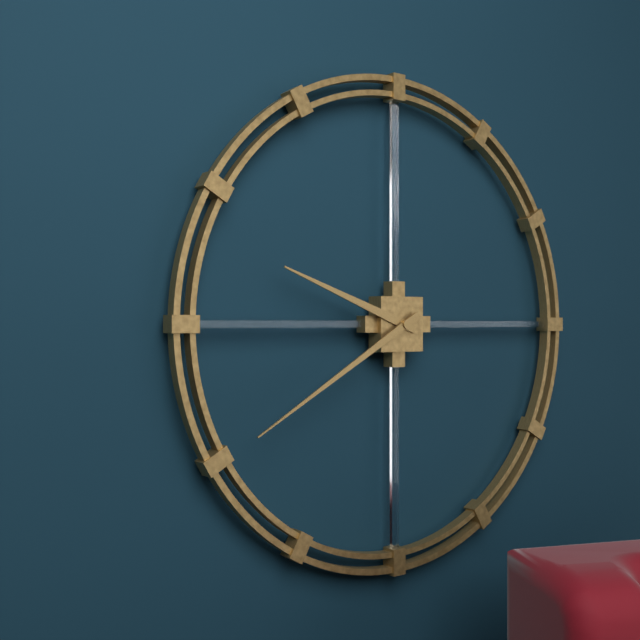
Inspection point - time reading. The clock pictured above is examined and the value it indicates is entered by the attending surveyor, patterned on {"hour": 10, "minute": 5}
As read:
{"hour": 9, "minute": 40}
